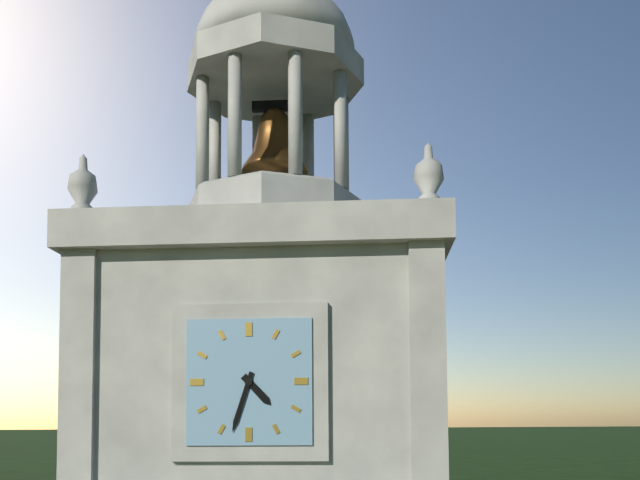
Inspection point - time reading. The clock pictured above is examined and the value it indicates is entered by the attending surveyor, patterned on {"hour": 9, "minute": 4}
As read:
{"hour": 4, "minute": 33}
